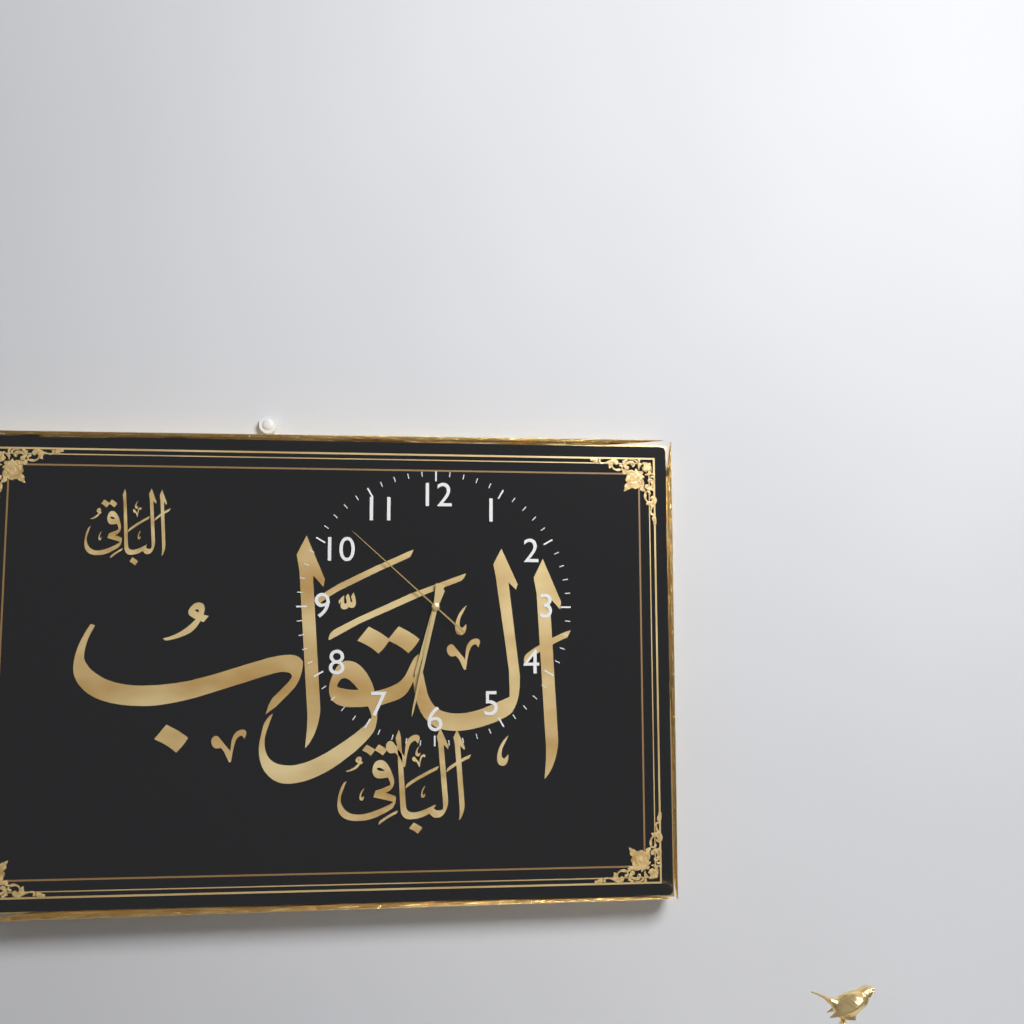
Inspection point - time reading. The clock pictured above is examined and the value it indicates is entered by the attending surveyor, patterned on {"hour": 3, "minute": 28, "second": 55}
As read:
{"hour": 6, "minute": 32, "second": 52}
